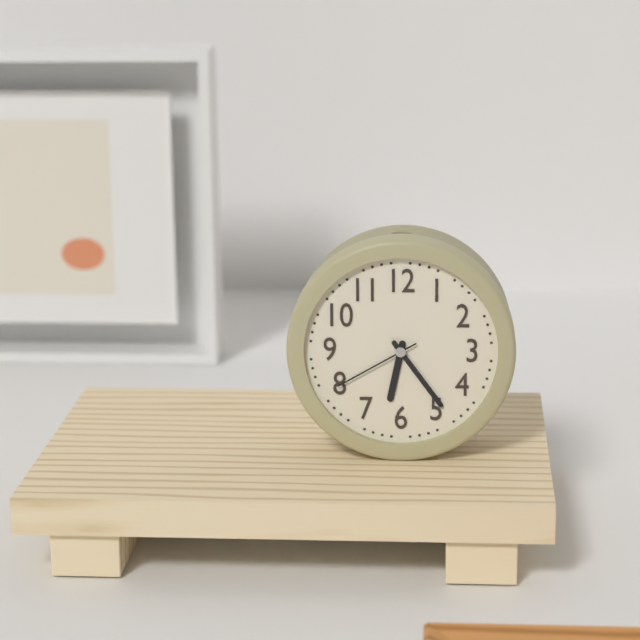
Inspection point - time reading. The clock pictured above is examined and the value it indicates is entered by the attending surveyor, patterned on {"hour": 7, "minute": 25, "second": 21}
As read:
{"hour": 6, "minute": 24, "second": 40}
